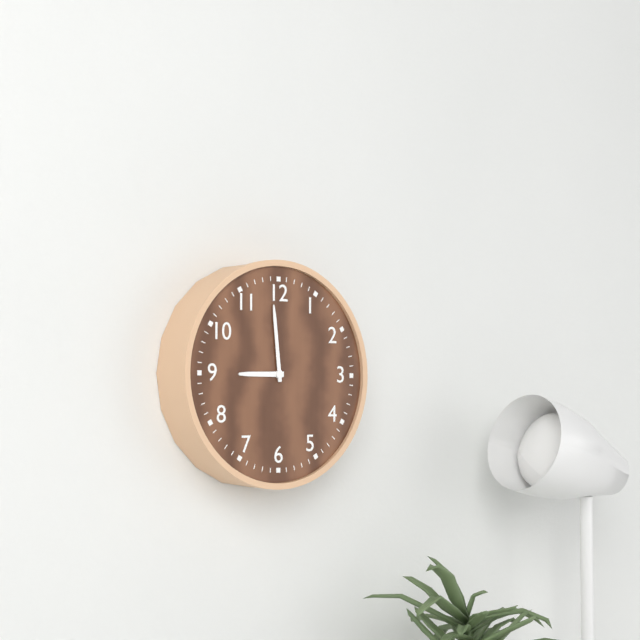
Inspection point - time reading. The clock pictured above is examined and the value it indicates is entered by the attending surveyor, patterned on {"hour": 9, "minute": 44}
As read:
{"hour": 8, "minute": 59}
